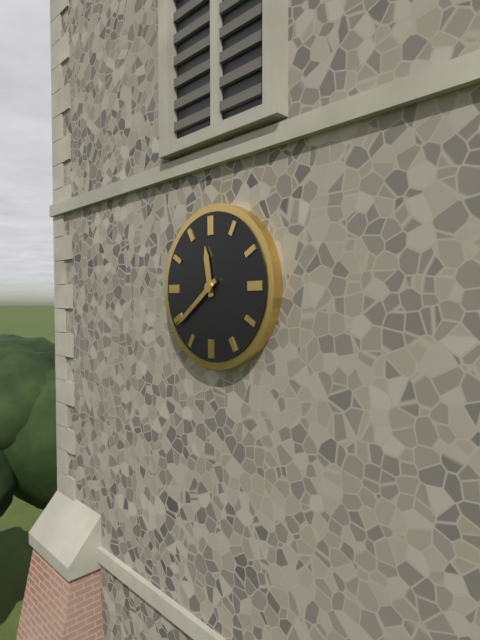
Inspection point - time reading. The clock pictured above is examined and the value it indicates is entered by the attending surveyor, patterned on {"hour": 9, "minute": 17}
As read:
{"hour": 11, "minute": 39}
